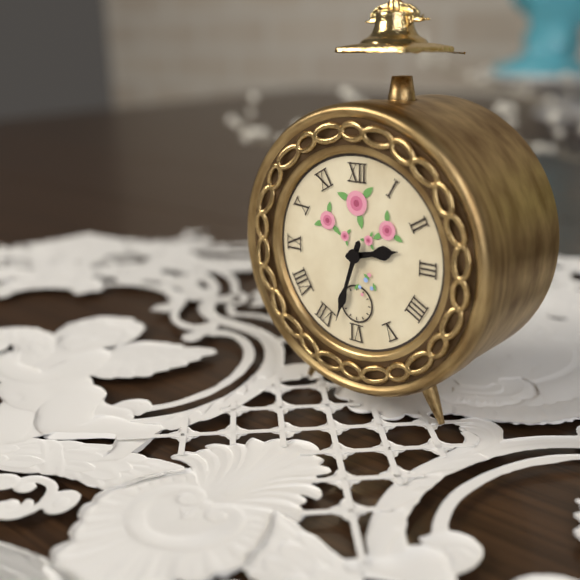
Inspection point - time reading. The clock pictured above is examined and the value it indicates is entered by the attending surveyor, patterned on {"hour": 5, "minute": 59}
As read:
{"hour": 2, "minute": 33}
